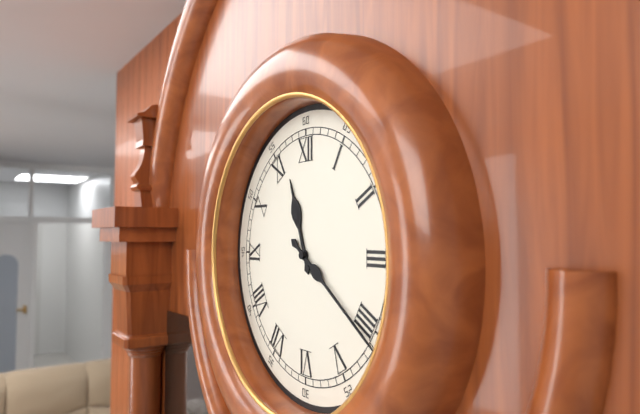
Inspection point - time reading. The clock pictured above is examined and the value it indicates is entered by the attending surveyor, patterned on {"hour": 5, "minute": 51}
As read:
{"hour": 11, "minute": 21}
